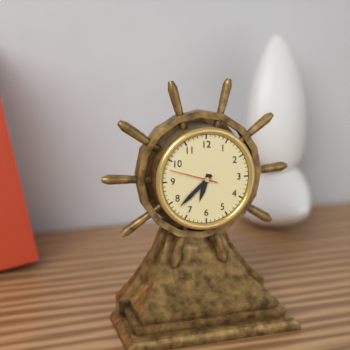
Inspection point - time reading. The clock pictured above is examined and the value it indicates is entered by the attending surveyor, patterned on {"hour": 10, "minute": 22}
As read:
{"hour": 6, "minute": 38}
